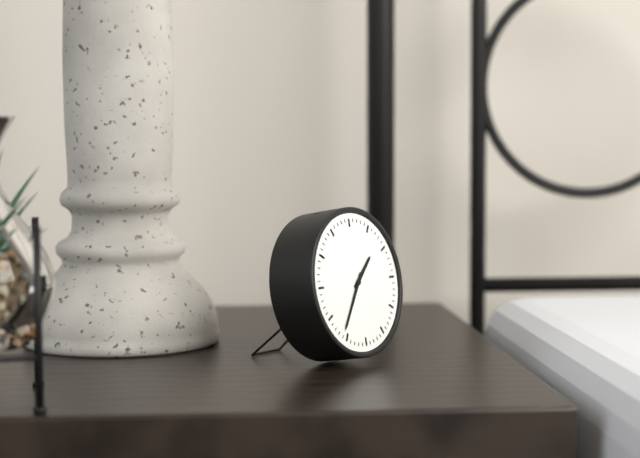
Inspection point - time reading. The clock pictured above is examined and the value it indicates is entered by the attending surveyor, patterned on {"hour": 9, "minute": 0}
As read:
{"hour": 1, "minute": 36}
